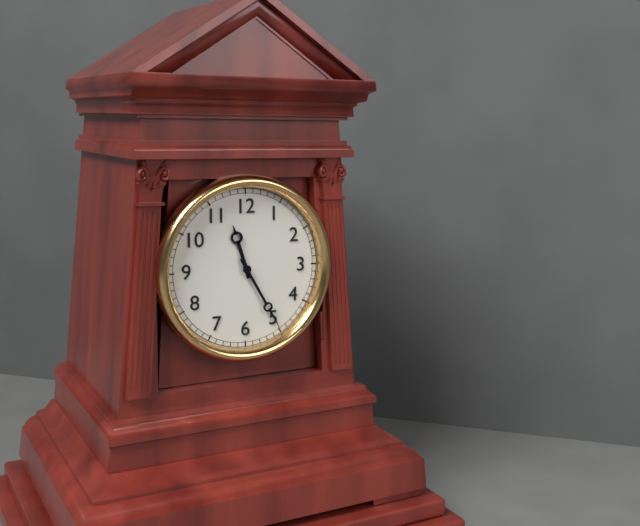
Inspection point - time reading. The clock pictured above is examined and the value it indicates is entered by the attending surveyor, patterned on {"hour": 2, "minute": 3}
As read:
{"hour": 11, "minute": 25}
